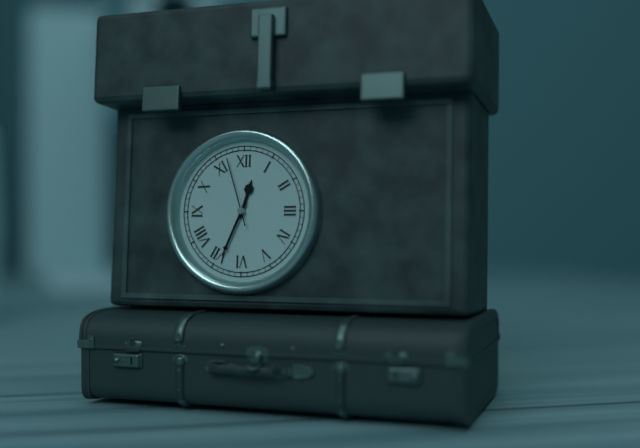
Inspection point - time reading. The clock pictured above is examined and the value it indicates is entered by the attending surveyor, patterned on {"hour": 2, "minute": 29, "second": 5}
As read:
{"hour": 12, "minute": 34, "second": 57}
